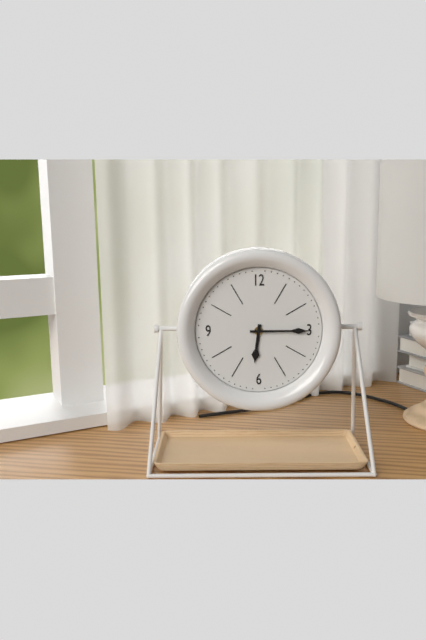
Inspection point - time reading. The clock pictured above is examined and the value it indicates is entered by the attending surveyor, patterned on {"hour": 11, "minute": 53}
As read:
{"hour": 6, "minute": 15}
